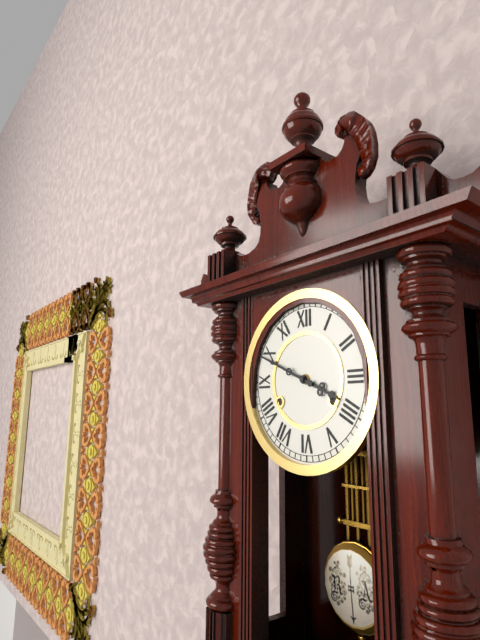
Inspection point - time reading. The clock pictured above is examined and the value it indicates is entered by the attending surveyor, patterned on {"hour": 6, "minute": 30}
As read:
{"hour": 3, "minute": 49}
